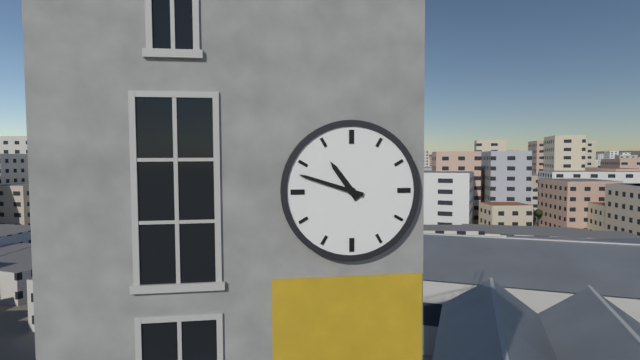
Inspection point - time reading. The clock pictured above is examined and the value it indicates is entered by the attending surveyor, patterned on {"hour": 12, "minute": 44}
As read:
{"hour": 10, "minute": 48}
